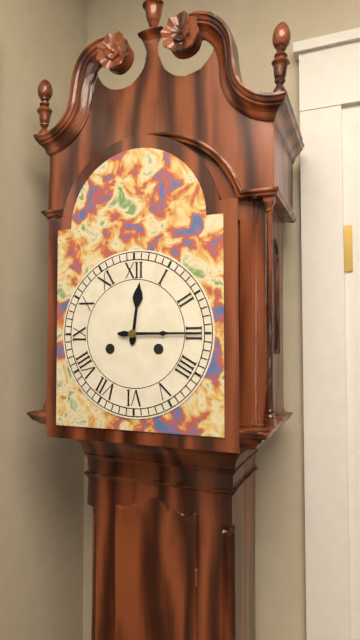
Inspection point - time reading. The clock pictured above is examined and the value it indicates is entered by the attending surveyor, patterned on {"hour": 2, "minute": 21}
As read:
{"hour": 12, "minute": 15}
